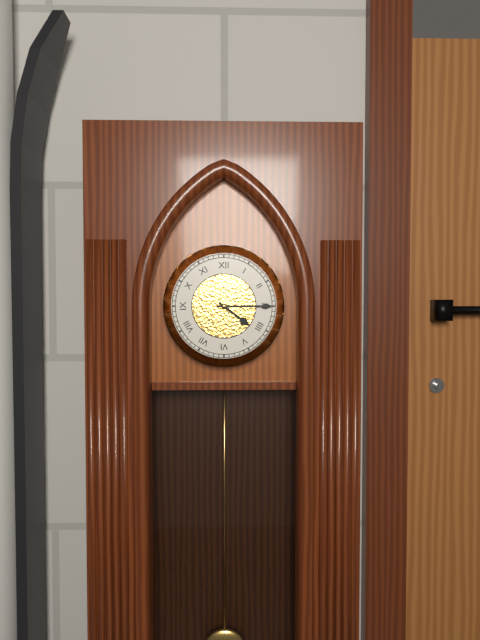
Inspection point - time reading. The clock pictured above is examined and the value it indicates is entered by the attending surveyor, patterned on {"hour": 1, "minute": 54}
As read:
{"hour": 4, "minute": 15}
